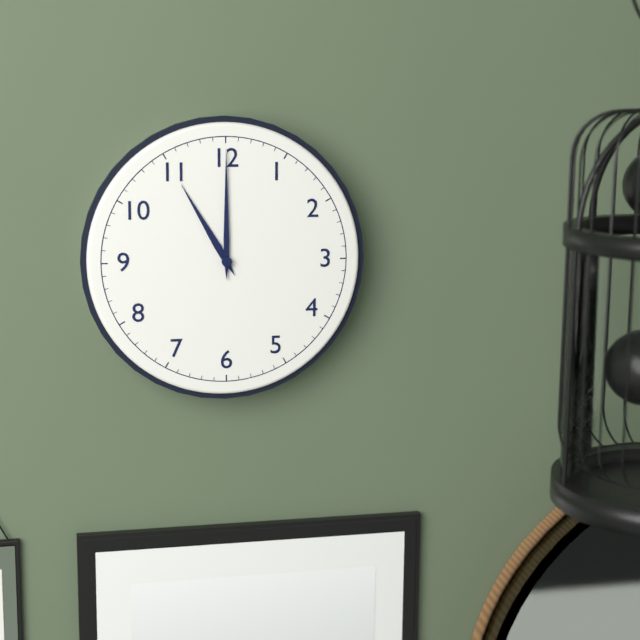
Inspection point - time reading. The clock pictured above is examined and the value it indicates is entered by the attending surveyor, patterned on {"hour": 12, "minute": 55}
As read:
{"hour": 11, "minute": 0}
